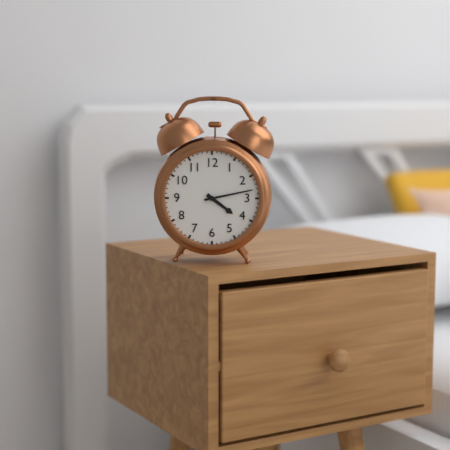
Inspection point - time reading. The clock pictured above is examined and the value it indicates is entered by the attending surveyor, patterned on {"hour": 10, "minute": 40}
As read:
{"hour": 4, "minute": 13}
